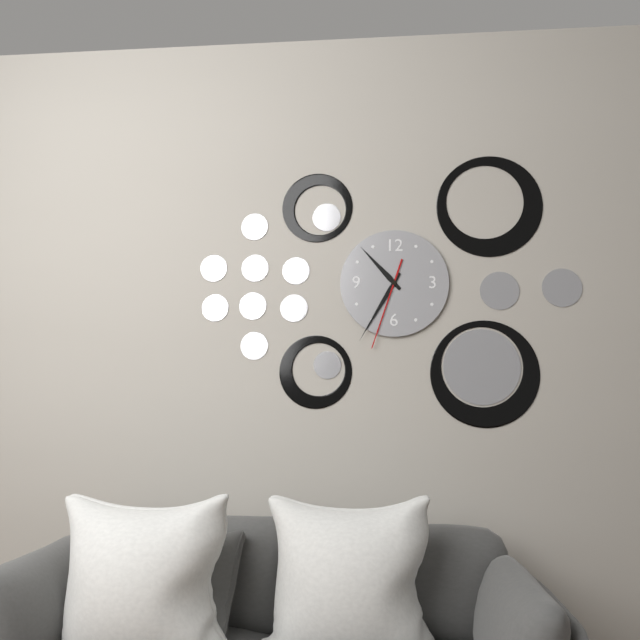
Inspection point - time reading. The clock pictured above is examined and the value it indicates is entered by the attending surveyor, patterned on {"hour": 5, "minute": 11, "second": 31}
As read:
{"hour": 10, "minute": 35, "second": 33}
